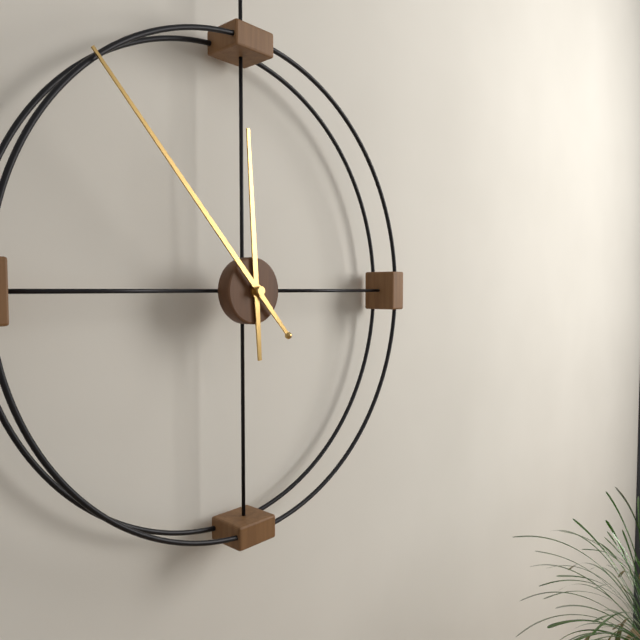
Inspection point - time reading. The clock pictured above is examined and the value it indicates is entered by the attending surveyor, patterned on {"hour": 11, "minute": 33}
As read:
{"hour": 11, "minute": 53}
